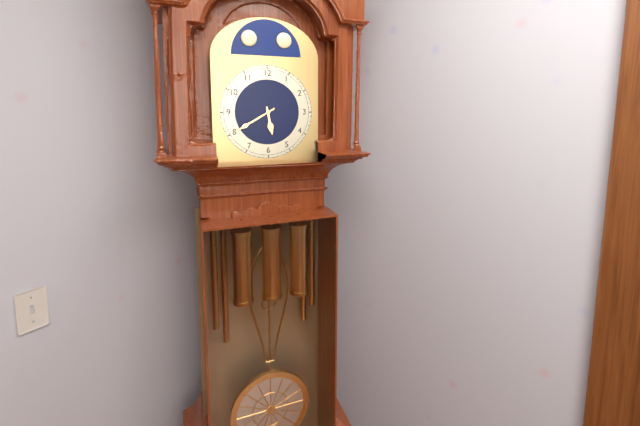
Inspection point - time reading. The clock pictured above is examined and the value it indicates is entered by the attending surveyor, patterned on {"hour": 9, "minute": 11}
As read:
{"hour": 5, "minute": 40}
